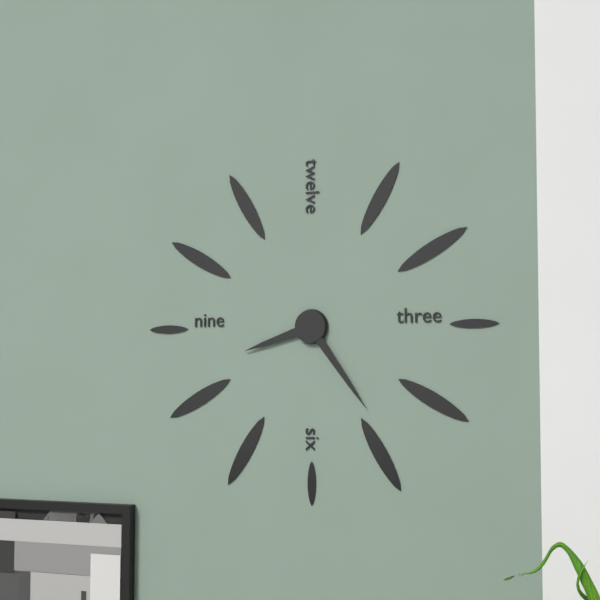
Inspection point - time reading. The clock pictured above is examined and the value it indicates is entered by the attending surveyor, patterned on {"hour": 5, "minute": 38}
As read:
{"hour": 8, "minute": 24}
